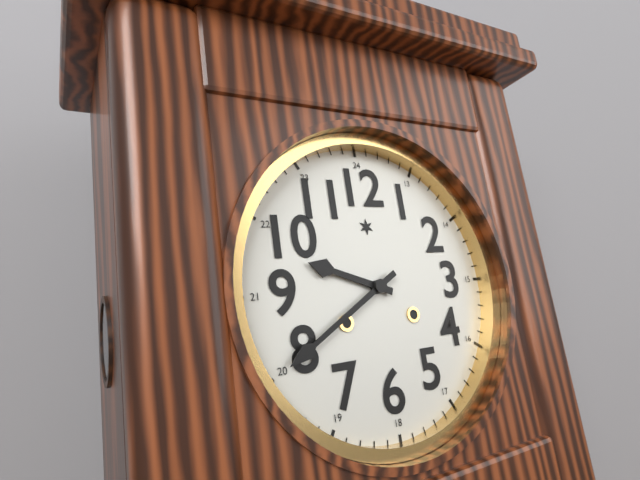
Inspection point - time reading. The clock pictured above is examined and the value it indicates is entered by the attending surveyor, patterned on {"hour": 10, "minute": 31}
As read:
{"hour": 9, "minute": 40}
